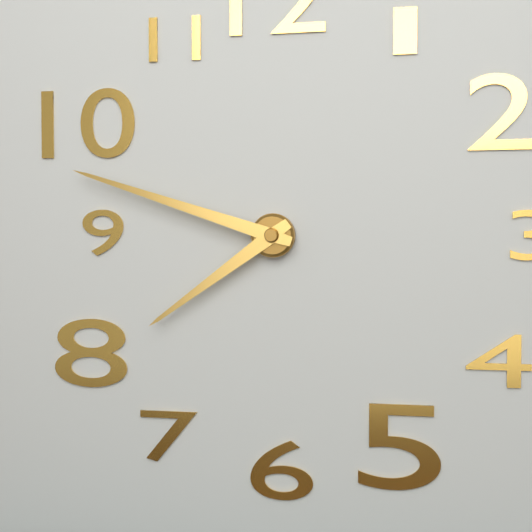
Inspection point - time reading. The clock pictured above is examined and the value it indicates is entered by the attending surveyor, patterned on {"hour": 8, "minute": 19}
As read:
{"hour": 7, "minute": 48}
